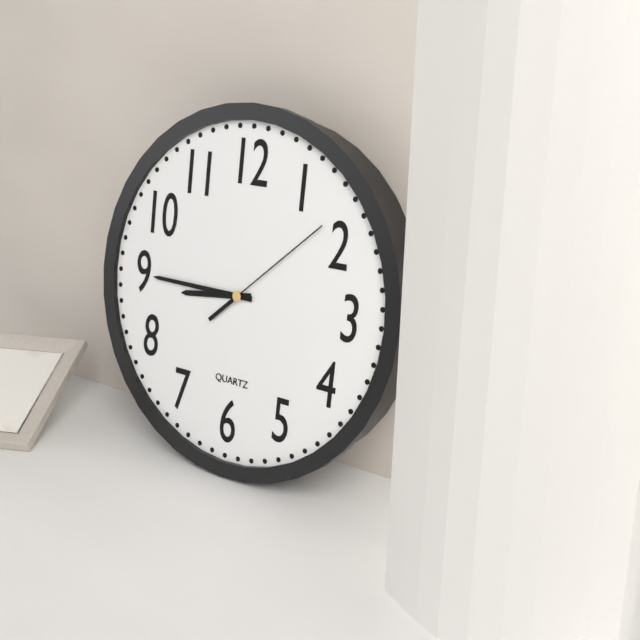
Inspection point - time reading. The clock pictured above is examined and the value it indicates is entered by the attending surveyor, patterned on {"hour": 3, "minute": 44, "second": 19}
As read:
{"hour": 8, "minute": 45, "second": 8}
